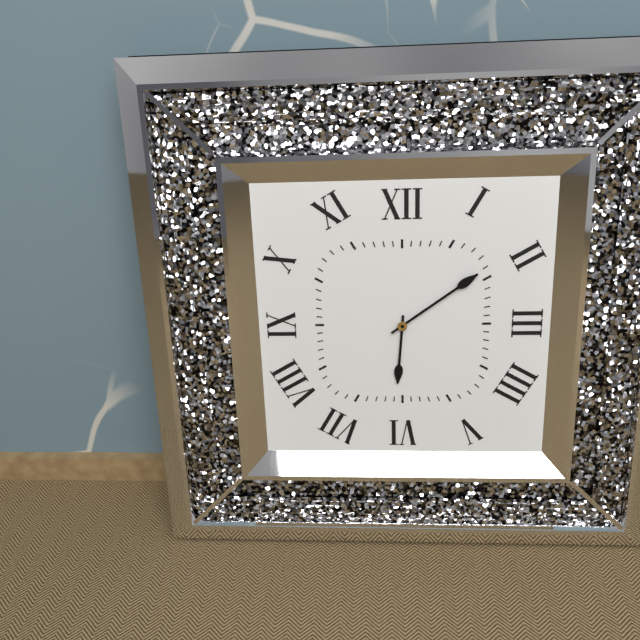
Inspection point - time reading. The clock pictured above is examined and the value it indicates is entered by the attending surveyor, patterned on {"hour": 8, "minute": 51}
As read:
{"hour": 6, "minute": 9}
